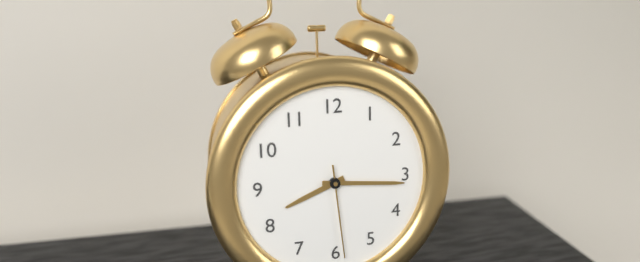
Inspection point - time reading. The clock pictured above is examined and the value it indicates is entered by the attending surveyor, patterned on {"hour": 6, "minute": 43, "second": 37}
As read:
{"hour": 8, "minute": 16, "second": 29}
